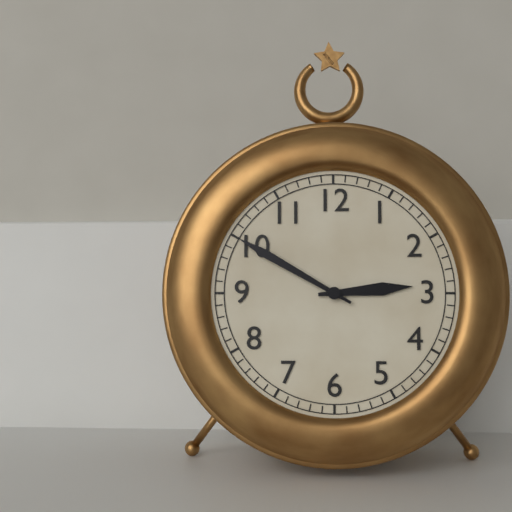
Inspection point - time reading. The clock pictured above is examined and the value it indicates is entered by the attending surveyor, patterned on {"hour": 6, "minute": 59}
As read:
{"hour": 2, "minute": 50}
